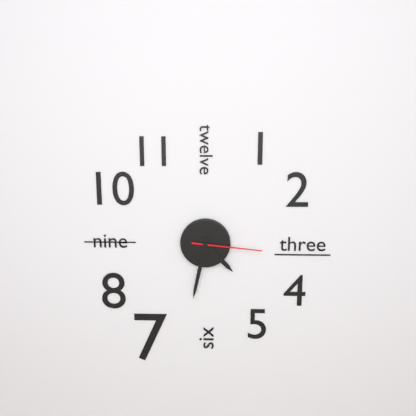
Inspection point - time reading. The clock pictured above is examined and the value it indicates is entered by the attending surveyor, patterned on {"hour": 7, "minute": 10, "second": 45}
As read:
{"hour": 4, "minute": 32, "second": 16}
